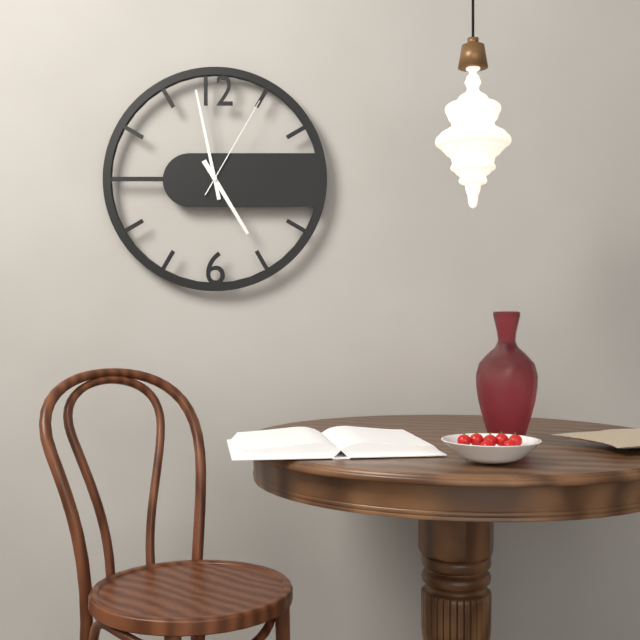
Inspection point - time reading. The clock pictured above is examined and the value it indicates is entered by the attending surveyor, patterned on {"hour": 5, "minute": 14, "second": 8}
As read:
{"hour": 4, "minute": 58, "second": 5}
